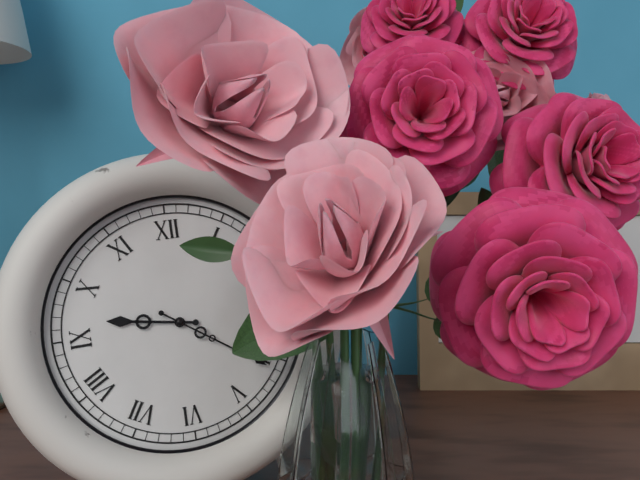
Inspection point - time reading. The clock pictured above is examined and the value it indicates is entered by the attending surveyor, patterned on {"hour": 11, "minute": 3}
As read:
{"hour": 9, "minute": 21}
